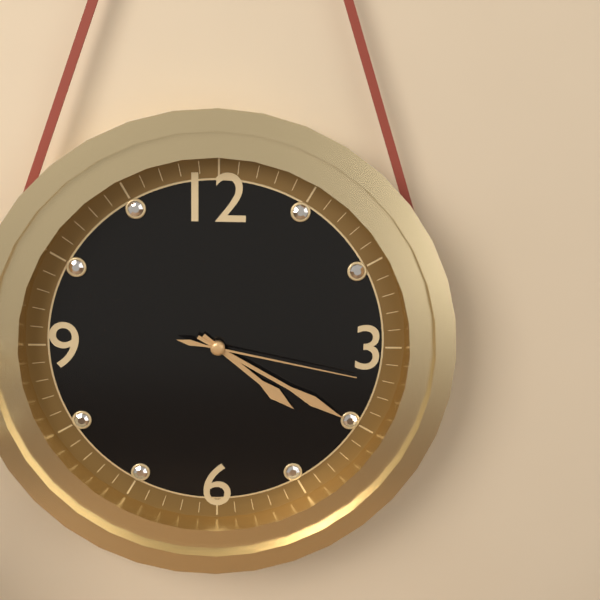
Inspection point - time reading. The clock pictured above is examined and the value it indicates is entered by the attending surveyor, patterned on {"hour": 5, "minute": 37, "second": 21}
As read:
{"hour": 4, "minute": 20, "second": 17}
